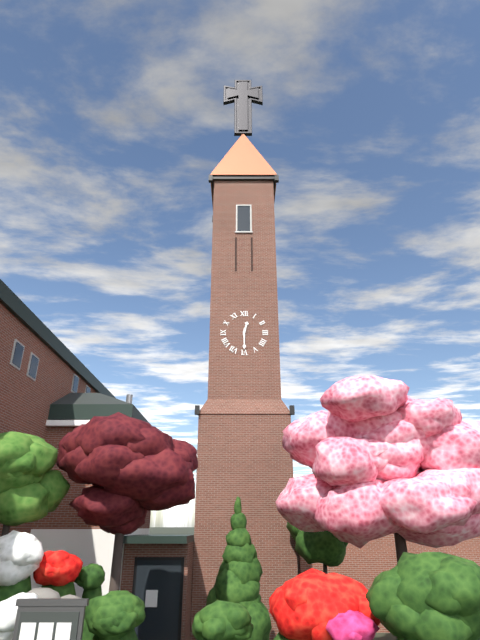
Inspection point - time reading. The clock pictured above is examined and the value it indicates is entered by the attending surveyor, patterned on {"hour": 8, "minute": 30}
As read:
{"hour": 12, "minute": 30}
